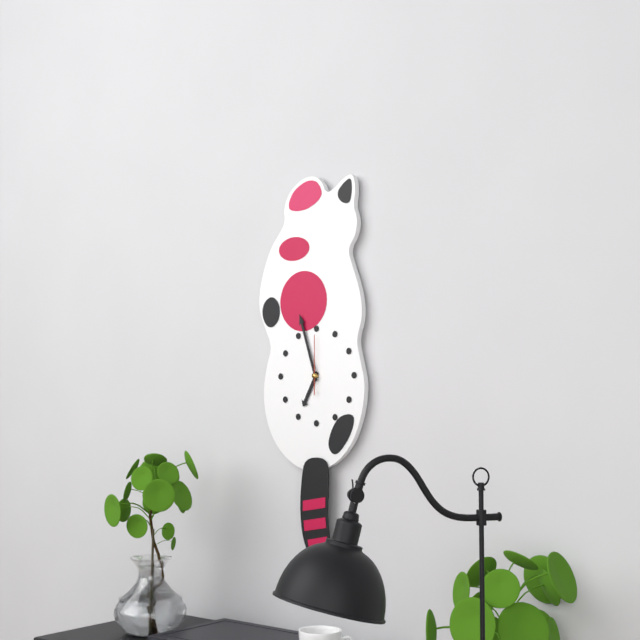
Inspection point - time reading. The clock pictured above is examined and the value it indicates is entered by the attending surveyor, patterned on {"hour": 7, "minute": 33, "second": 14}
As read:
{"hour": 6, "minute": 57, "second": 0}
